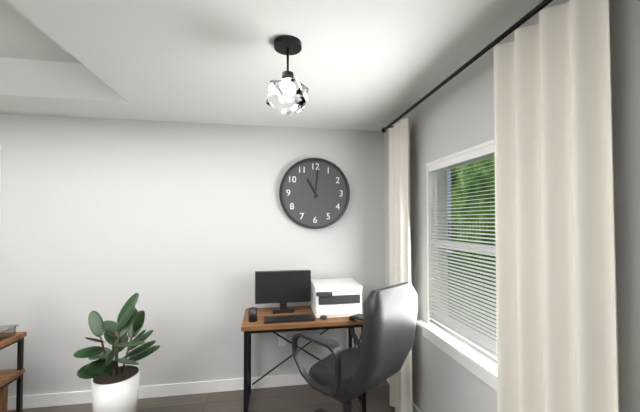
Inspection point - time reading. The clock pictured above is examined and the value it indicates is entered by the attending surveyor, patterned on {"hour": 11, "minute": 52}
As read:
{"hour": 11, "minute": 1}
